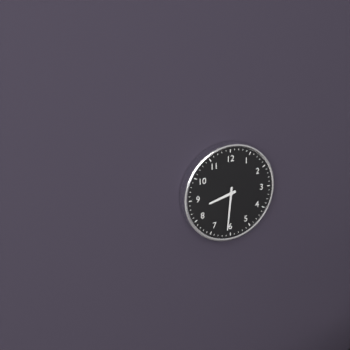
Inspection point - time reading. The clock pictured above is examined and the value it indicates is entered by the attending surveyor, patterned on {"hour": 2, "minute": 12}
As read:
{"hour": 8, "minute": 31}
